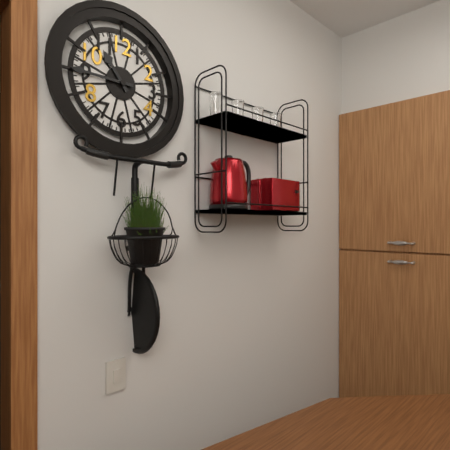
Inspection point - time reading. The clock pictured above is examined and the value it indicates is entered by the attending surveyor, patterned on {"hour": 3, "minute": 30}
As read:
{"hour": 10, "minute": 45}
